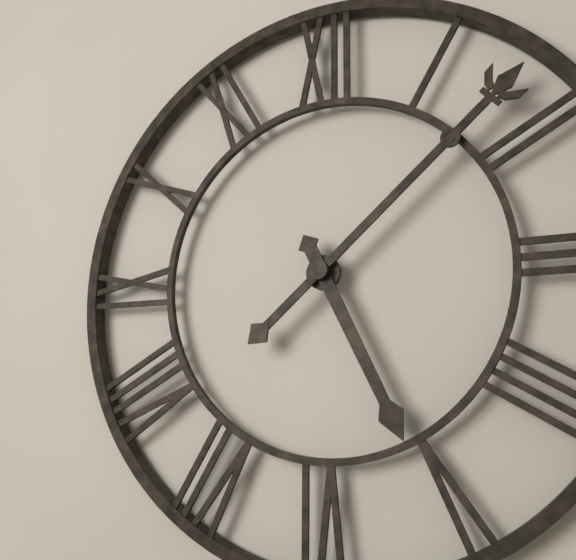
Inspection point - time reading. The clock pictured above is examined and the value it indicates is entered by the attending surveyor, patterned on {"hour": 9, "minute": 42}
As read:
{"hour": 5, "minute": 8}
